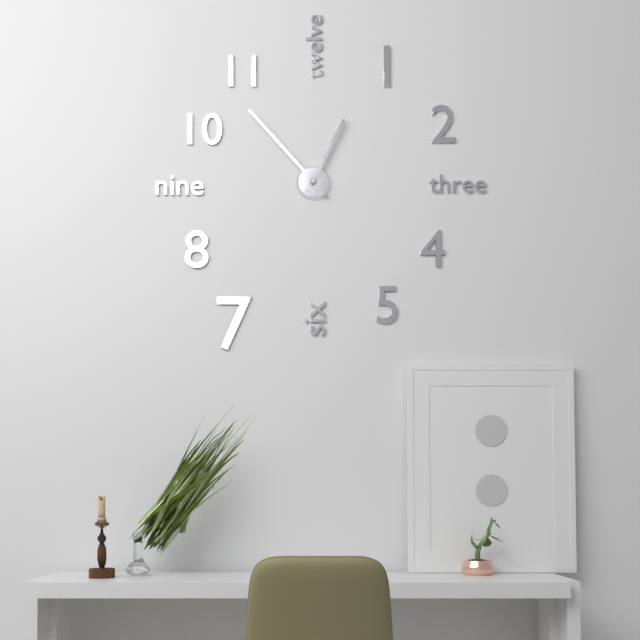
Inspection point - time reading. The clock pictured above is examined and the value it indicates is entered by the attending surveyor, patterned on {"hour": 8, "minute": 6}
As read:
{"hour": 12, "minute": 53}
